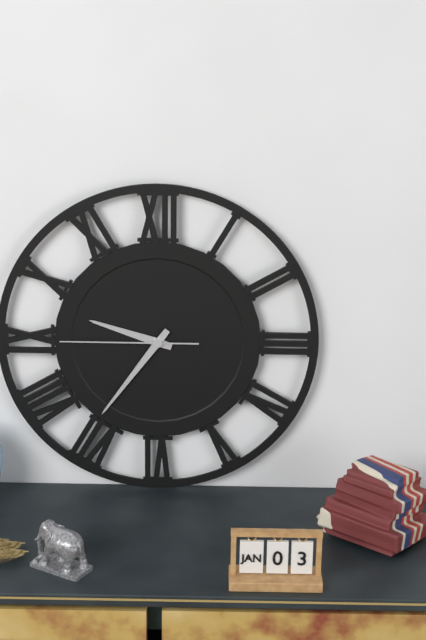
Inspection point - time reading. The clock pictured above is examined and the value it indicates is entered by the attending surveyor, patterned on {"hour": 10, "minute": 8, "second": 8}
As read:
{"hour": 9, "minute": 36, "second": 45}
